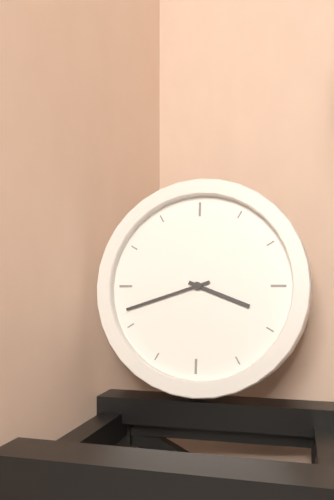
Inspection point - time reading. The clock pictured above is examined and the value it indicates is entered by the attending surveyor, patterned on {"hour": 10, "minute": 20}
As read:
{"hour": 3, "minute": 42}
